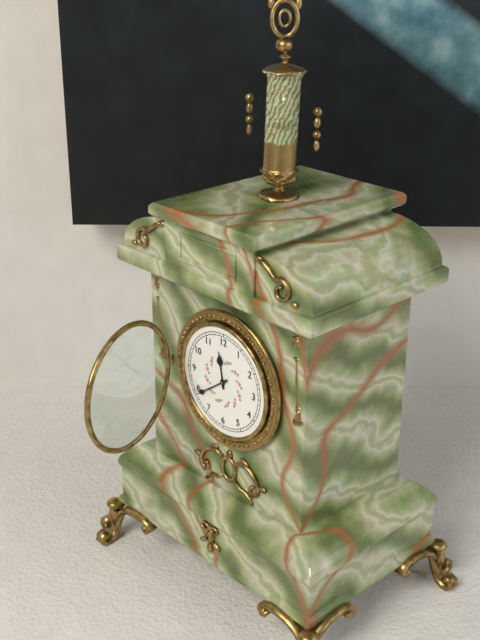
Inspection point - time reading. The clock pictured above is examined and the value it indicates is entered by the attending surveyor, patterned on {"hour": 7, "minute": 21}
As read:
{"hour": 11, "minute": 39}
